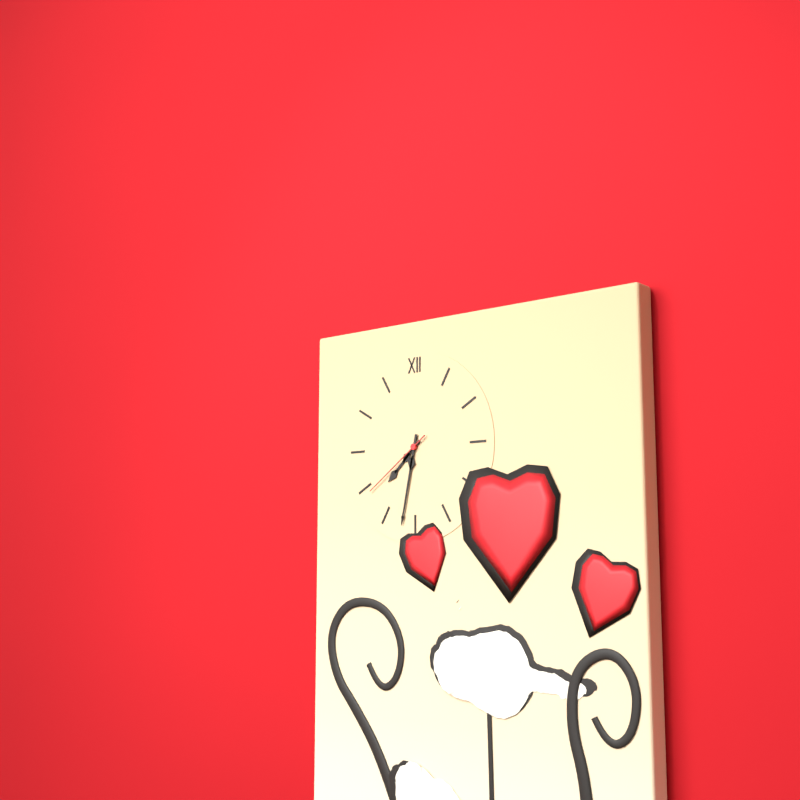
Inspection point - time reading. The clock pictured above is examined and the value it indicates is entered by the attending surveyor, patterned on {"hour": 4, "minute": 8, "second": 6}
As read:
{"hour": 7, "minute": 32, "second": 39}
